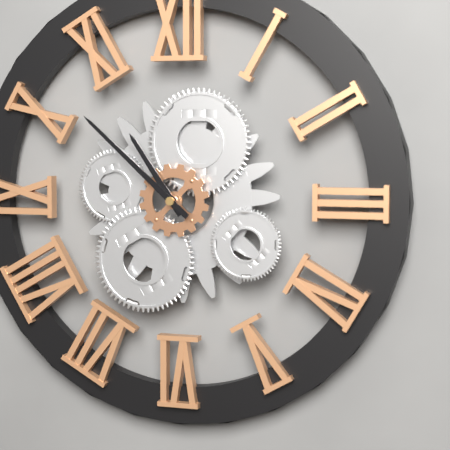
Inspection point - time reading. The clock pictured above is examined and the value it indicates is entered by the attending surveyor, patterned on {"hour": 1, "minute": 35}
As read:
{"hour": 10, "minute": 52}
